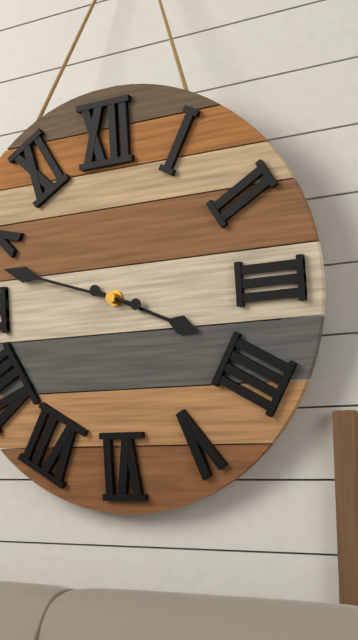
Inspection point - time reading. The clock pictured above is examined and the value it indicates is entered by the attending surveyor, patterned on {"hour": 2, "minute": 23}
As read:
{"hour": 3, "minute": 48}
